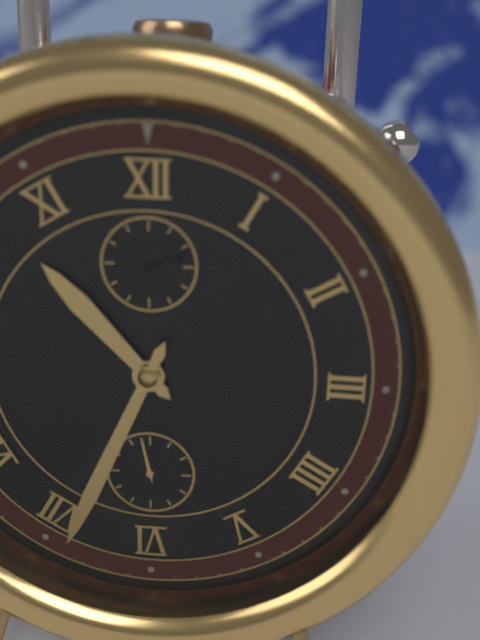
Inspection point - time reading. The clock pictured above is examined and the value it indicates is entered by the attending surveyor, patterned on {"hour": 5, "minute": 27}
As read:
{"hour": 10, "minute": 34}
